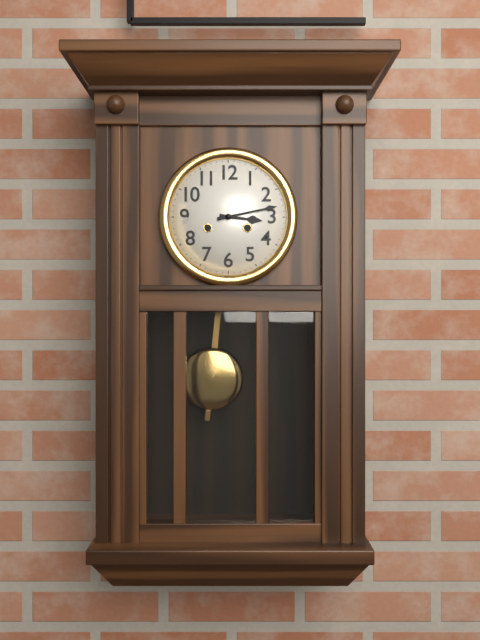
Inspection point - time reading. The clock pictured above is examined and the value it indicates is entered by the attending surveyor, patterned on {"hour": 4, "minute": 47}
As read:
{"hour": 3, "minute": 13}
